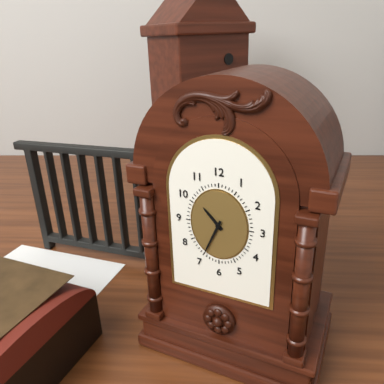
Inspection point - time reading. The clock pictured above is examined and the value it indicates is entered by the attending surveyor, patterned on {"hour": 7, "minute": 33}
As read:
{"hour": 10, "minute": 34}
